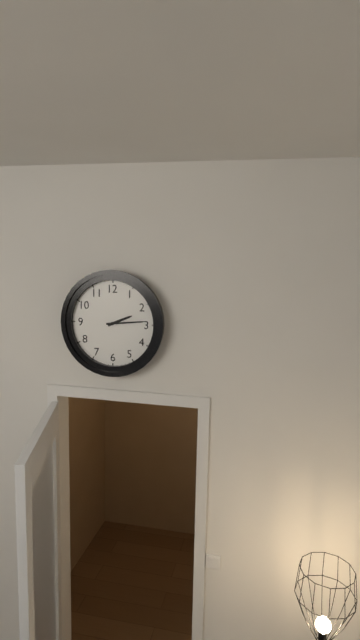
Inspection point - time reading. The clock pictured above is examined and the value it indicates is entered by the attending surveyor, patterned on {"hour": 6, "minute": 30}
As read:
{"hour": 2, "minute": 14}
